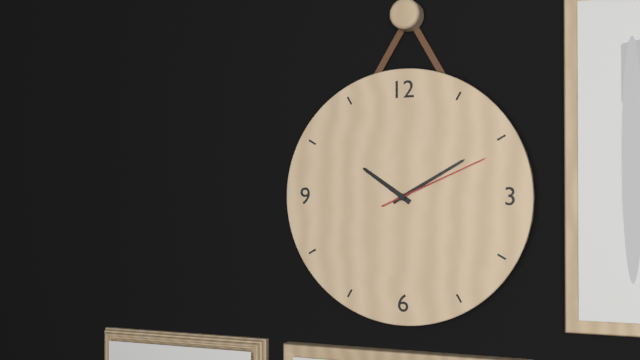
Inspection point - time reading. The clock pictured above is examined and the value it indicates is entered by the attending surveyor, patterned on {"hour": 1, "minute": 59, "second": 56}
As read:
{"hour": 10, "minute": 10, "second": 11}
